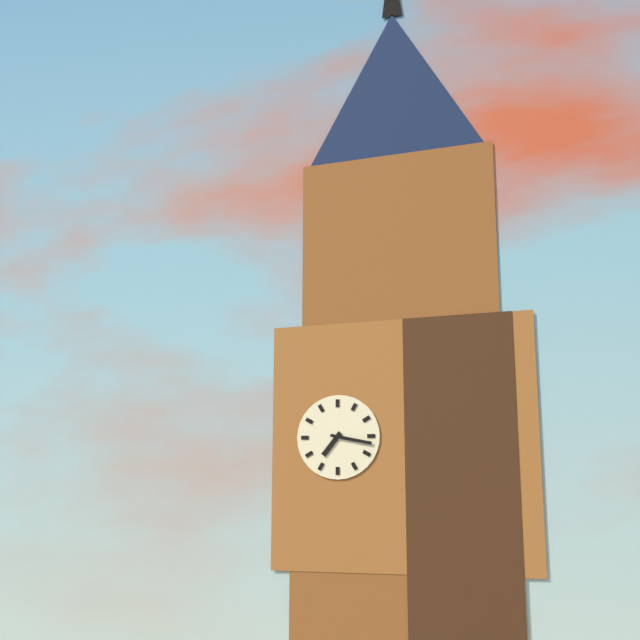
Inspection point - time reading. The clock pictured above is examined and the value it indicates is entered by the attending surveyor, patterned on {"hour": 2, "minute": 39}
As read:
{"hour": 7, "minute": 17}
